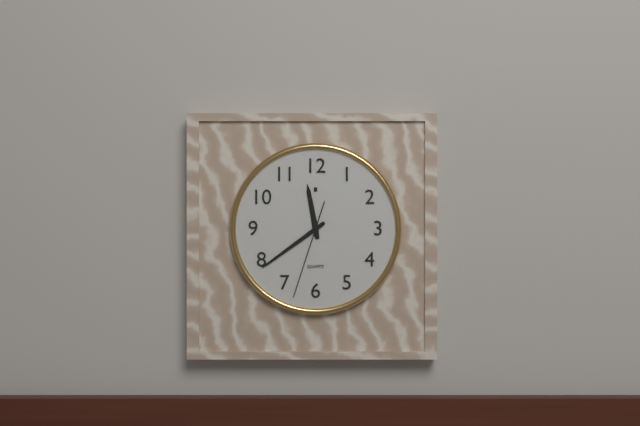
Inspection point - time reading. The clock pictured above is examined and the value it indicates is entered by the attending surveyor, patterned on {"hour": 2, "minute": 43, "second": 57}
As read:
{"hour": 11, "minute": 39, "second": 33}
